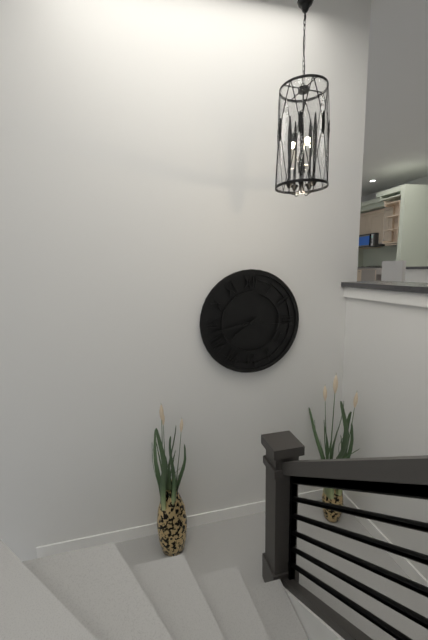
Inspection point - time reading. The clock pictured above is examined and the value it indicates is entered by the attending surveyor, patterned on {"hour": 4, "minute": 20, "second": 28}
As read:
{"hour": 7, "minute": 43, "second": 16}
